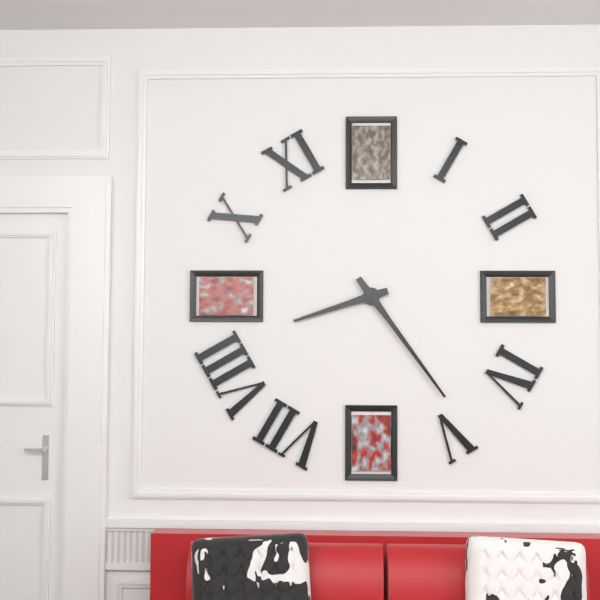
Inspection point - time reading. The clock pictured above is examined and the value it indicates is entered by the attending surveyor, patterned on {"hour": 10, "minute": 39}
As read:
{"hour": 8, "minute": 24}
